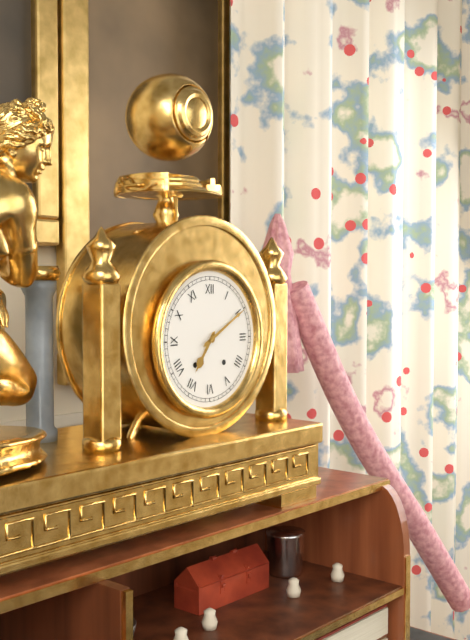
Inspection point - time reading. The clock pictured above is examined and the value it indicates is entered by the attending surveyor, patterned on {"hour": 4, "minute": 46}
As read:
{"hour": 7, "minute": 10}
